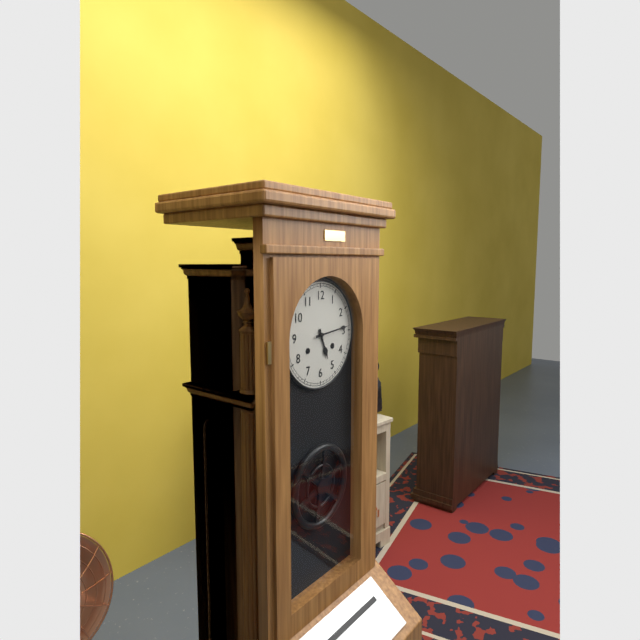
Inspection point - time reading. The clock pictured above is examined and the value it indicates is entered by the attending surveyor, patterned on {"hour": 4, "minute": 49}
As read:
{"hour": 5, "minute": 14}
